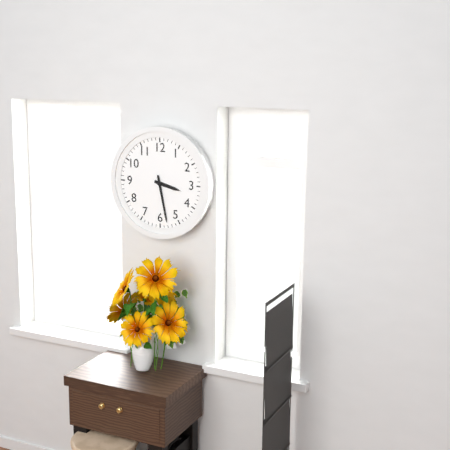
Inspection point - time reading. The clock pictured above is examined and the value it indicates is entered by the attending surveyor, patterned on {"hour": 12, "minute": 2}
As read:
{"hour": 3, "minute": 28}
